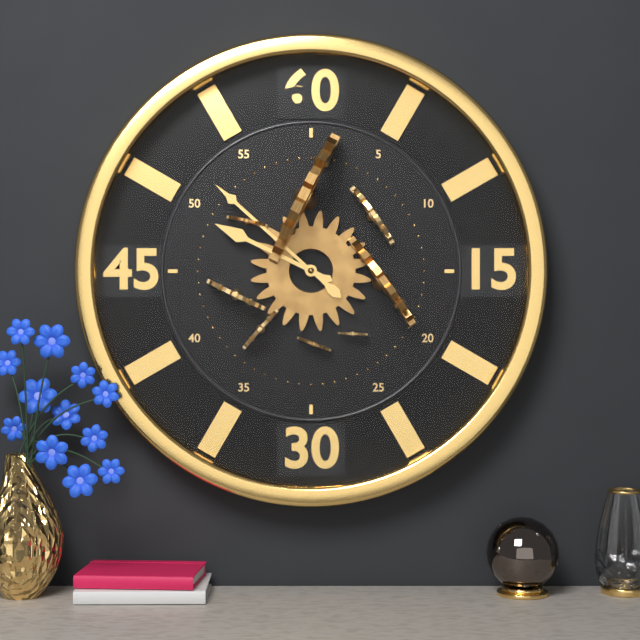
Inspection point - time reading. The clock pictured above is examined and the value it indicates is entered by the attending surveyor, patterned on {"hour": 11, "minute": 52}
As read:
{"hour": 9, "minute": 52}
